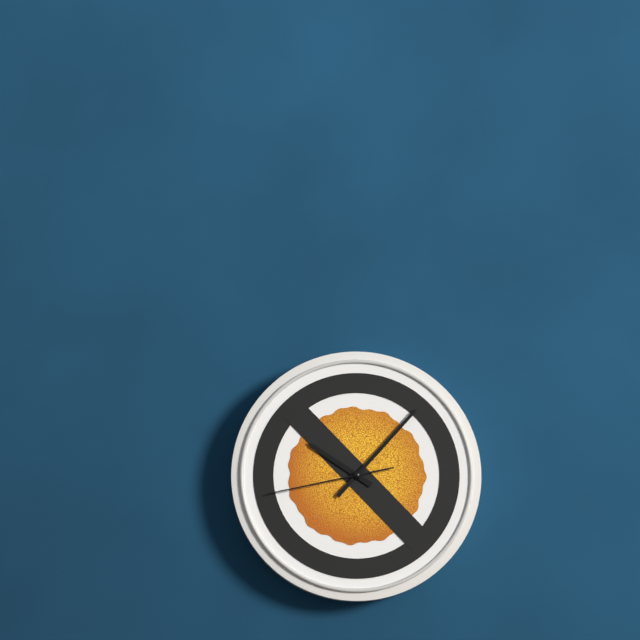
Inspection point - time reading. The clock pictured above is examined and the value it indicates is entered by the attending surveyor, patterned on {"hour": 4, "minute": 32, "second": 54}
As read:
{"hour": 10, "minute": 7, "second": 43}
